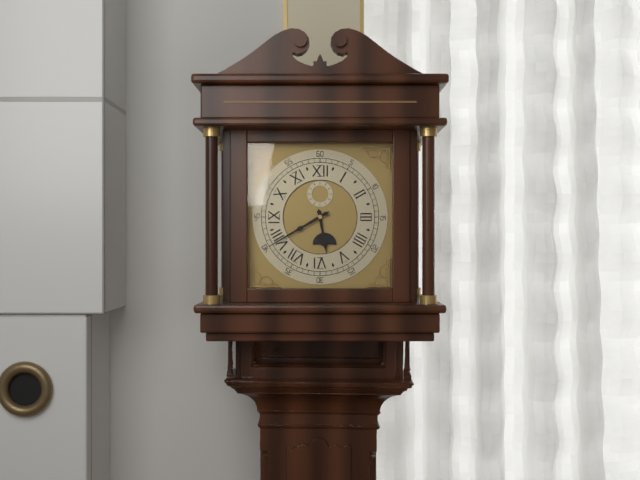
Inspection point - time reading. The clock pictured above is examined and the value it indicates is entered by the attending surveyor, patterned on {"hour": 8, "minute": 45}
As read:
{"hour": 5, "minute": 40}
